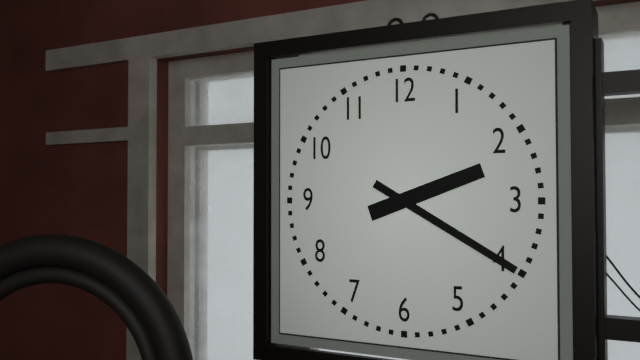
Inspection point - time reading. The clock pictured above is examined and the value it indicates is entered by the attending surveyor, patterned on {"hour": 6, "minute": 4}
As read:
{"hour": 2, "minute": 20}
